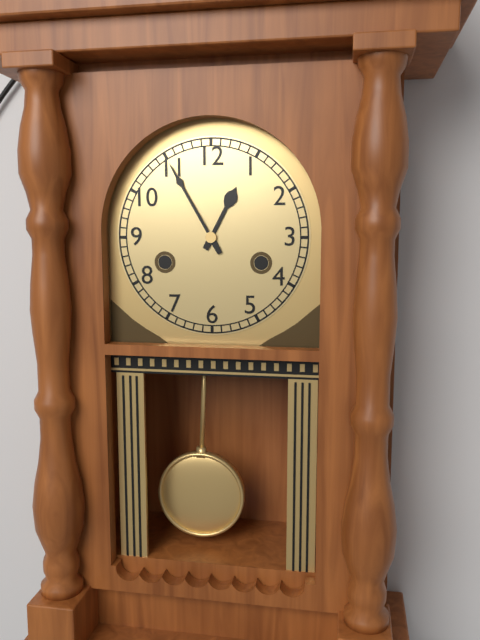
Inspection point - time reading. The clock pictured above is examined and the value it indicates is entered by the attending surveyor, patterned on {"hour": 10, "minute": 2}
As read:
{"hour": 12, "minute": 55}
